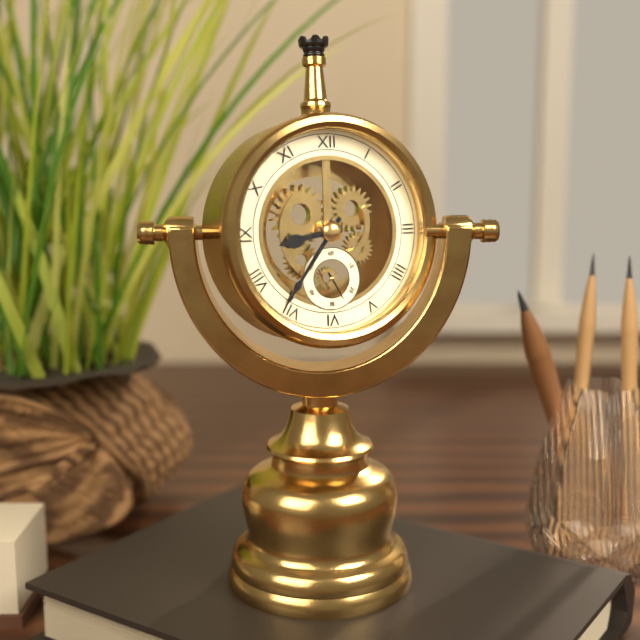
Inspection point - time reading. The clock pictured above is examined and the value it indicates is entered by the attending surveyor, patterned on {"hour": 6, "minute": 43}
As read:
{"hour": 8, "minute": 36}
